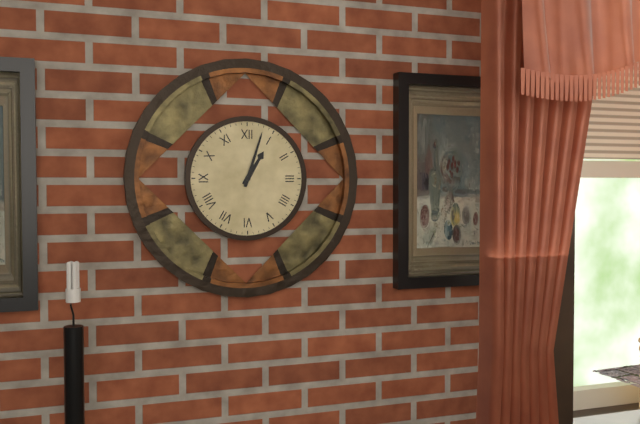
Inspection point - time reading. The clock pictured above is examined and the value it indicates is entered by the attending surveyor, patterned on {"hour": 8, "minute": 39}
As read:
{"hour": 1, "minute": 3}
